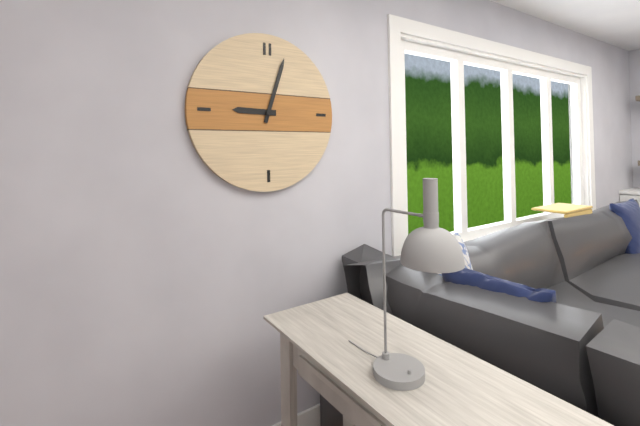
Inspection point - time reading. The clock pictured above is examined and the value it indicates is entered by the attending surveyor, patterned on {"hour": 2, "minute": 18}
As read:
{"hour": 9, "minute": 3}
